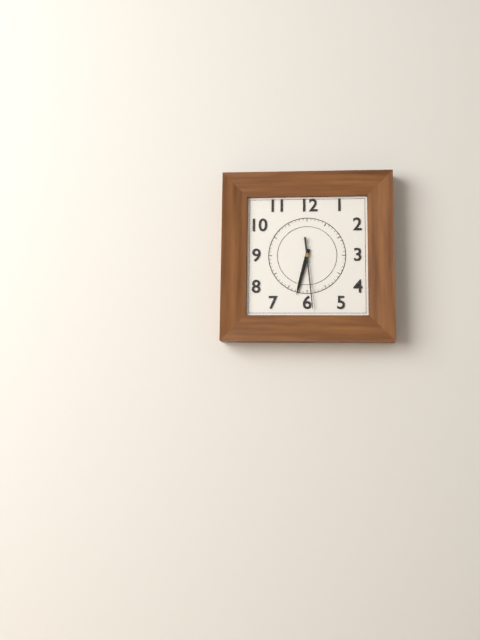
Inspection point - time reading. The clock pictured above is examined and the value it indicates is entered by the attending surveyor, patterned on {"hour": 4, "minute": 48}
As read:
{"hour": 6, "minute": 29}
